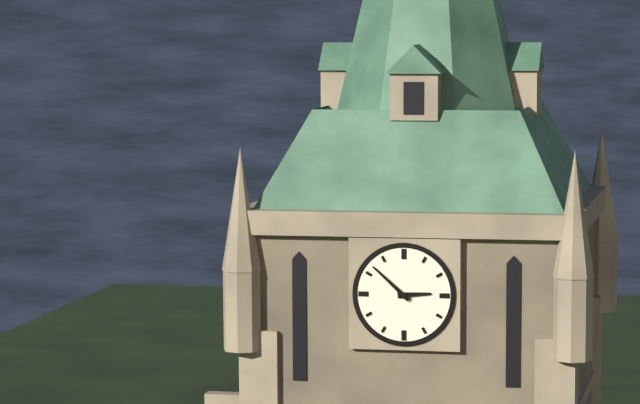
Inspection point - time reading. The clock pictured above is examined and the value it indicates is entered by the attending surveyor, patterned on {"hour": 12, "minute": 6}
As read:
{"hour": 2, "minute": 52}
